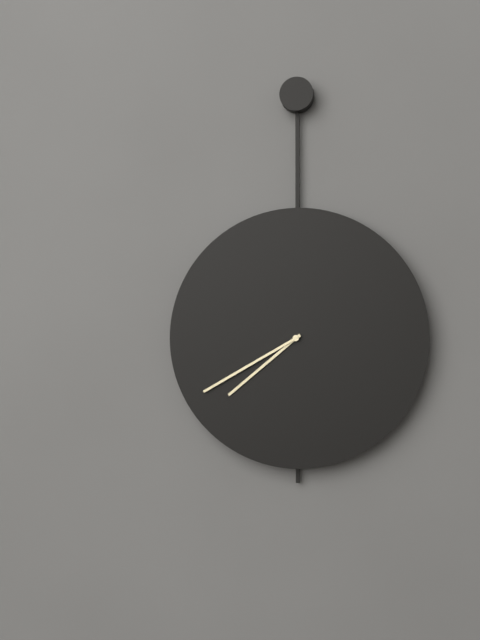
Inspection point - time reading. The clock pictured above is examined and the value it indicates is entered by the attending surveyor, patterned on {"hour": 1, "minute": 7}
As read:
{"hour": 7, "minute": 40}
